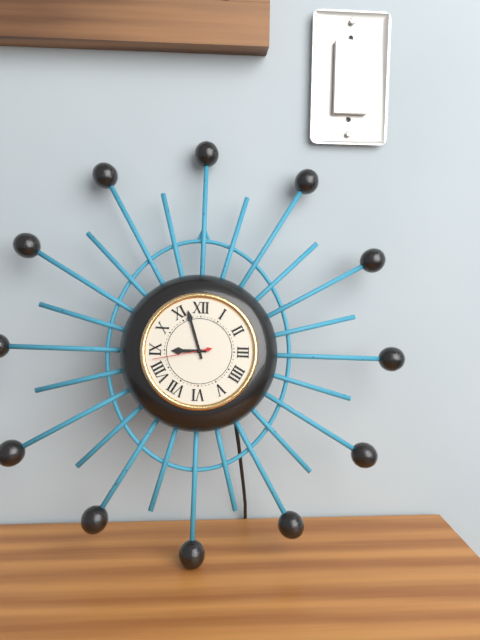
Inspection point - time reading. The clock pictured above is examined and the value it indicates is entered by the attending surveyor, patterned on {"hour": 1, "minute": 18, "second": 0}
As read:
{"hour": 8, "minute": 57, "second": 43}
